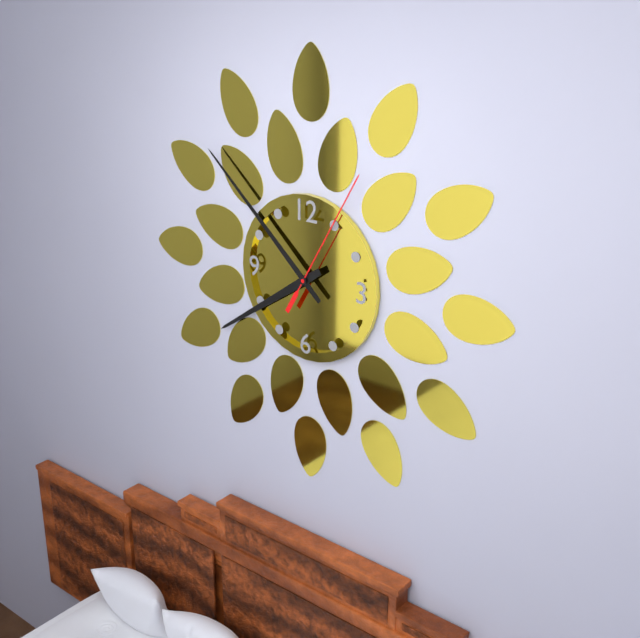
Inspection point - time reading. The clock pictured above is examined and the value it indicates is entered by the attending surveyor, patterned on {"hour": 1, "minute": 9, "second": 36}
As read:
{"hour": 7, "minute": 52, "second": 5}
